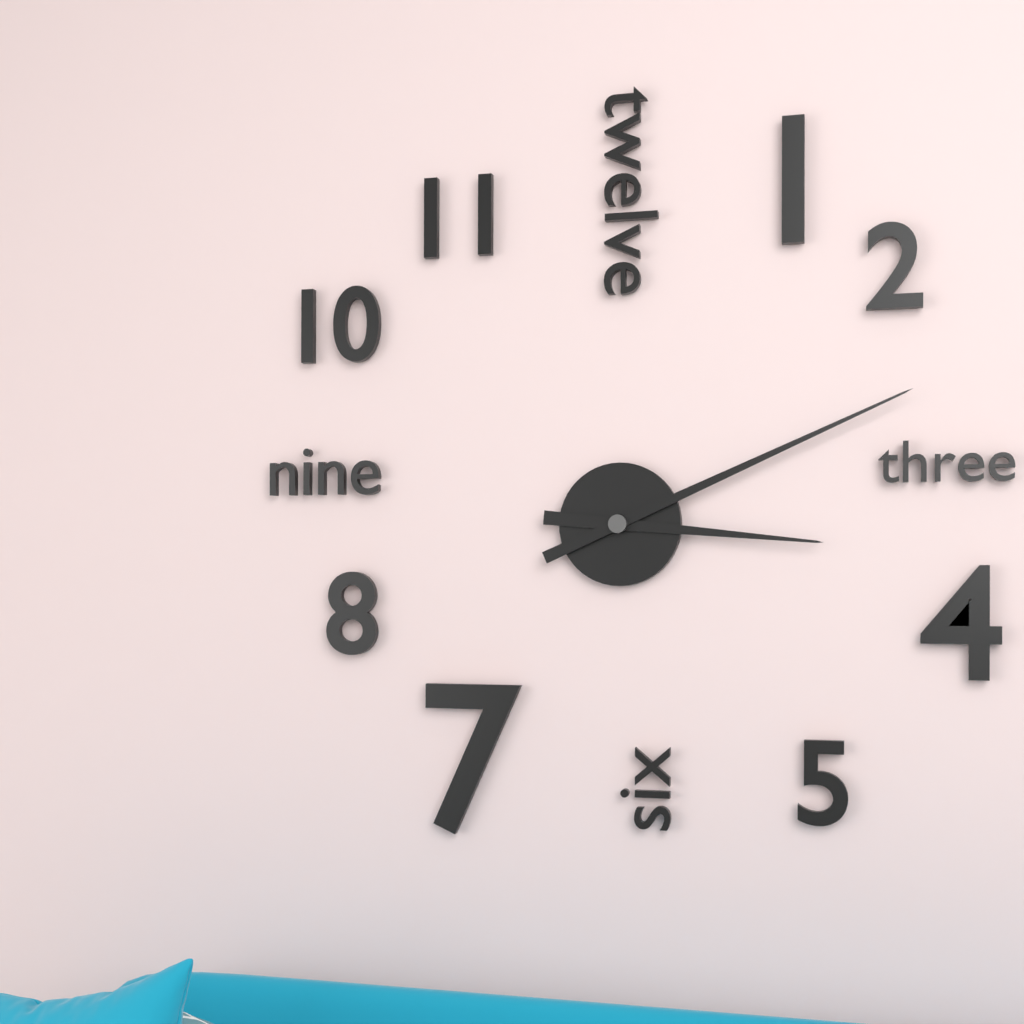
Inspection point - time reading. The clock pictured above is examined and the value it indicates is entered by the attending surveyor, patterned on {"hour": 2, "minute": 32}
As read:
{"hour": 3, "minute": 11}
